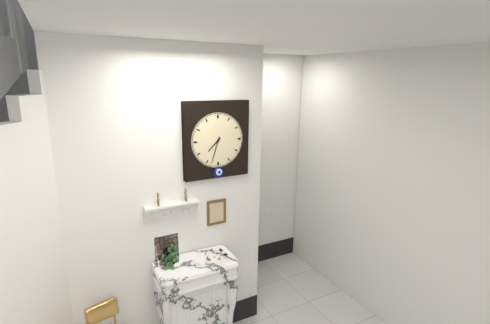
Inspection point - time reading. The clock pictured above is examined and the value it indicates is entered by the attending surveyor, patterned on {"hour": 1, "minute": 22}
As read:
{"hour": 7, "minute": 33}
